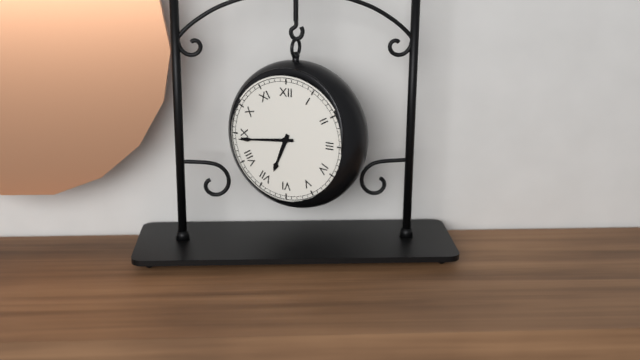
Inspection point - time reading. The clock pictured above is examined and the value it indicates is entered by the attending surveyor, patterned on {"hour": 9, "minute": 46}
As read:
{"hour": 6, "minute": 44}
